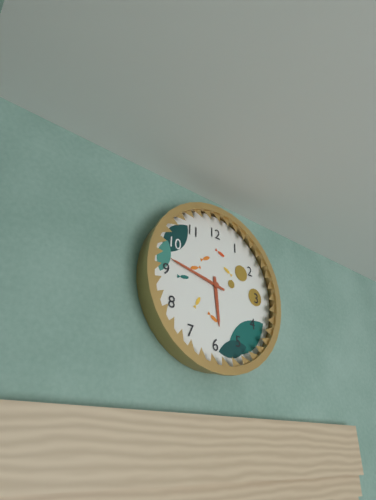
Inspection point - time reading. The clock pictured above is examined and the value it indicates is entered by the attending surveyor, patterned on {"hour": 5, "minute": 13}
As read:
{"hour": 5, "minute": 47}
